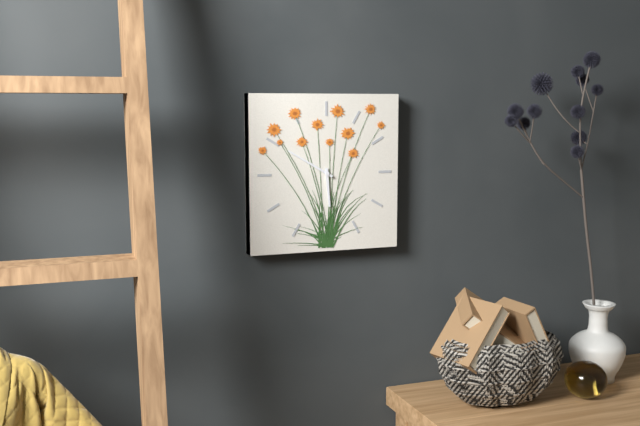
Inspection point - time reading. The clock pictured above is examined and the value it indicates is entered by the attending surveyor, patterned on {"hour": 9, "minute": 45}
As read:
{"hour": 5, "minute": 50}
